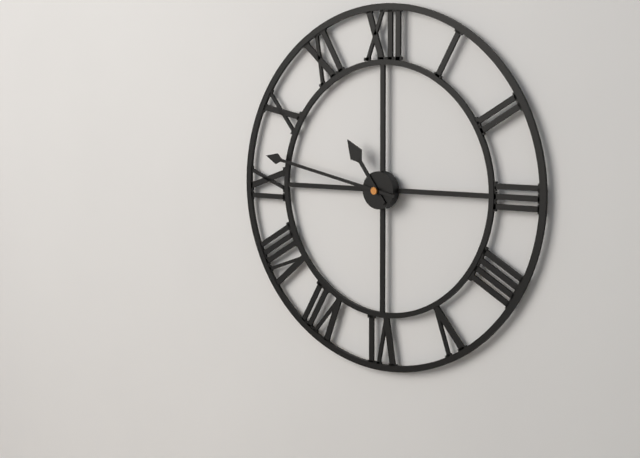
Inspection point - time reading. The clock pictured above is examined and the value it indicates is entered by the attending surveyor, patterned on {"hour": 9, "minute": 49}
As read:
{"hour": 10, "minute": 47}
